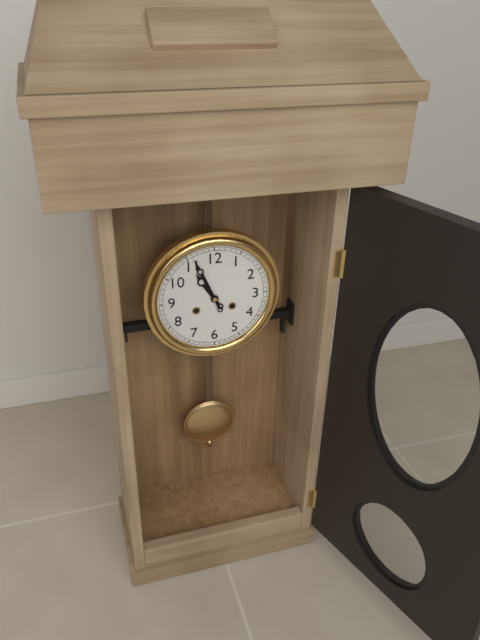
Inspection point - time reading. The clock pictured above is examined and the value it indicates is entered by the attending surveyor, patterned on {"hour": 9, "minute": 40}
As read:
{"hour": 10, "minute": 56}
